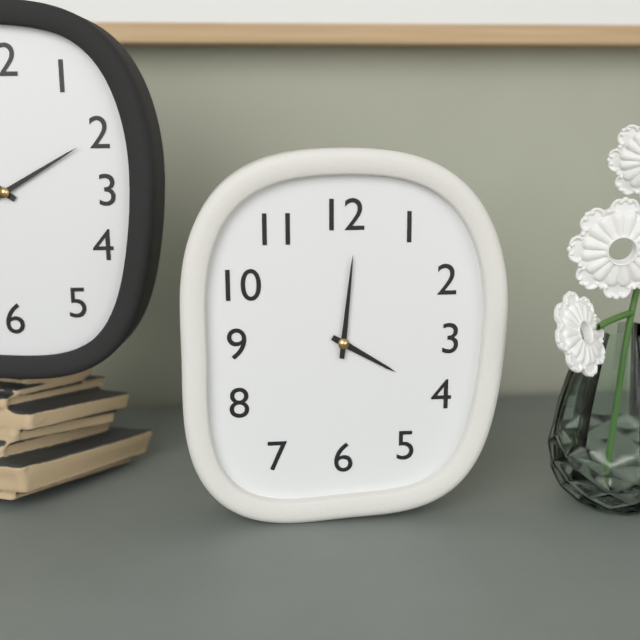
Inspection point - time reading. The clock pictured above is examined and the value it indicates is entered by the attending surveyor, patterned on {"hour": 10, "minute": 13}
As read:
{"hour": 4, "minute": 1}
